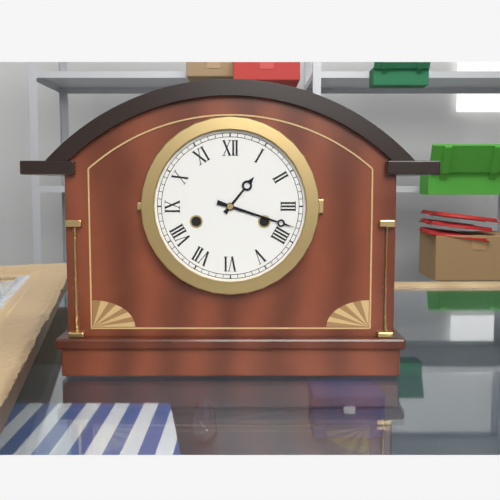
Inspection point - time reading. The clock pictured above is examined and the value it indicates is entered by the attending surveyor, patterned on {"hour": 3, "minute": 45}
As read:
{"hour": 1, "minute": 18}
